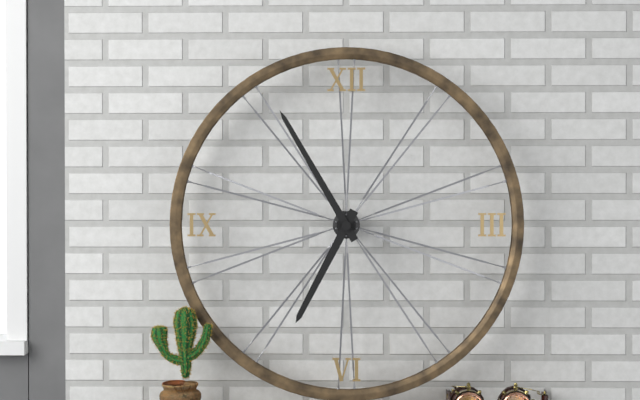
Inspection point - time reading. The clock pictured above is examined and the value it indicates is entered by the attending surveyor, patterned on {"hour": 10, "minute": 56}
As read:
{"hour": 6, "minute": 55}
